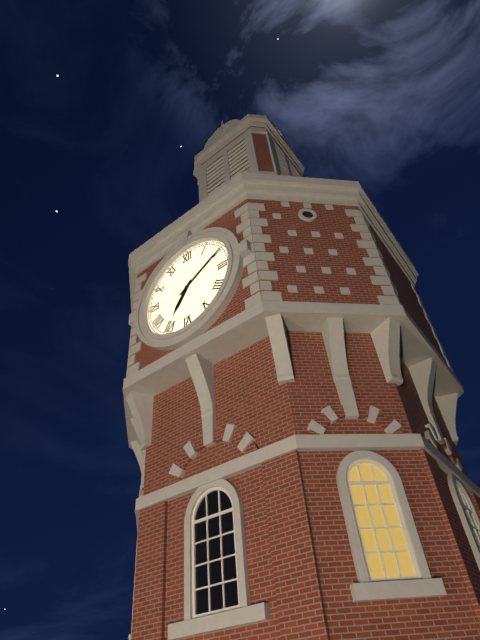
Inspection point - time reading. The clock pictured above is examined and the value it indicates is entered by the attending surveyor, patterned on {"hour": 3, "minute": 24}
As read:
{"hour": 7, "minute": 10}
